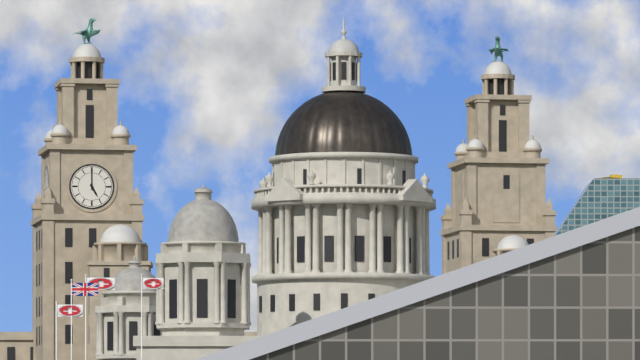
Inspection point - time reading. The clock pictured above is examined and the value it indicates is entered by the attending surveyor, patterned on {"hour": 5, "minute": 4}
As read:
{"hour": 5, "minute": 0}
